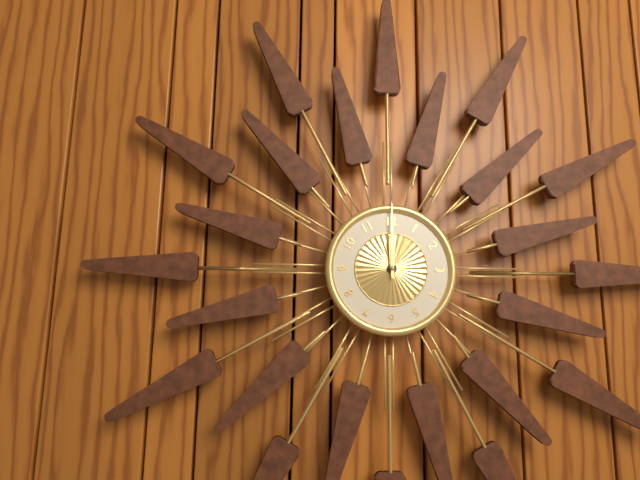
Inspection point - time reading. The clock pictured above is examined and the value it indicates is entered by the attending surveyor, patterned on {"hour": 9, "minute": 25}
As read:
{"hour": 12, "minute": 0}
